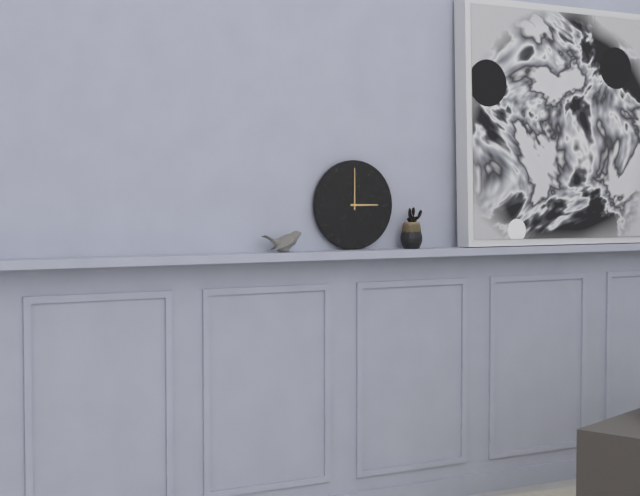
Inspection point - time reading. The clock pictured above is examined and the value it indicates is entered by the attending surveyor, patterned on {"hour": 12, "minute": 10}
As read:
{"hour": 3, "minute": 0}
